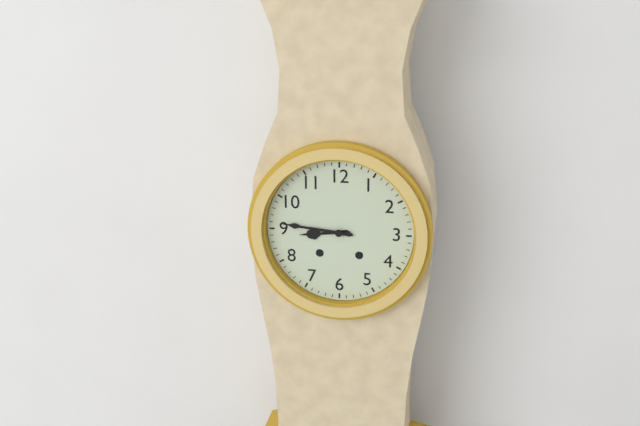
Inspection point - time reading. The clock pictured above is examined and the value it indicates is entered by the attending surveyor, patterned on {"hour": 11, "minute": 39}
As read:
{"hour": 8, "minute": 46}
